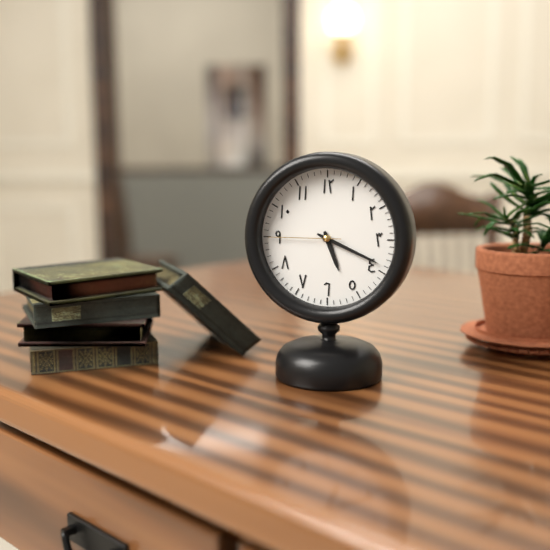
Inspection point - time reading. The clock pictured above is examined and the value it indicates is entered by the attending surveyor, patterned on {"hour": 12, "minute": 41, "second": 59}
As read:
{"hour": 5, "minute": 19, "second": 45}
